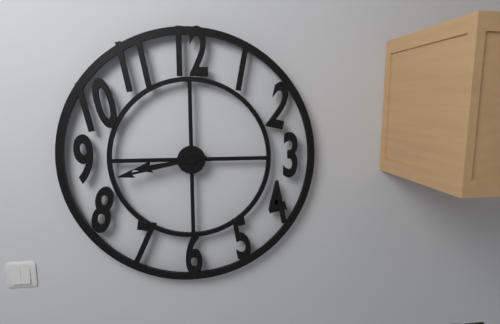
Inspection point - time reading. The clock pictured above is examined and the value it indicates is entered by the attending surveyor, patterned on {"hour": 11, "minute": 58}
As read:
{"hour": 8, "minute": 43}
